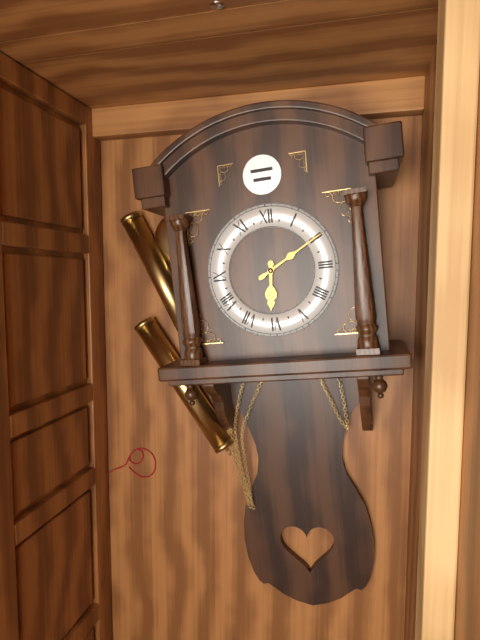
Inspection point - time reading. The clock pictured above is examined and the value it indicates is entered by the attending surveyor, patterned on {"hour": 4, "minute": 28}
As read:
{"hour": 6, "minute": 10}
